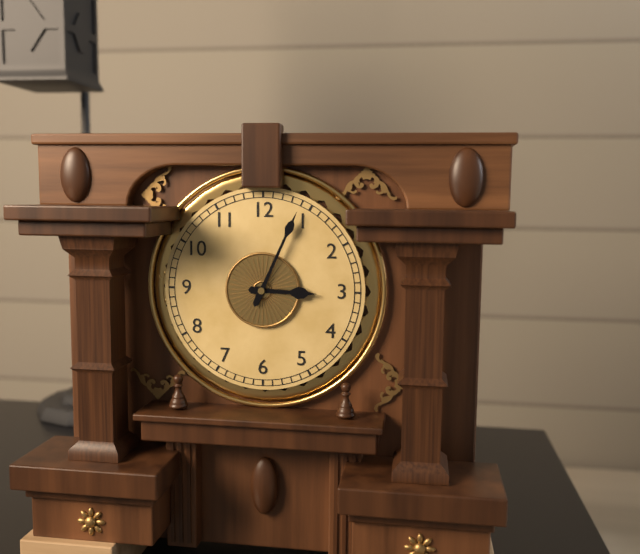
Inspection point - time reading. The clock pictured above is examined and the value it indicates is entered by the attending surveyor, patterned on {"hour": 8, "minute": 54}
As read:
{"hour": 3, "minute": 4}
